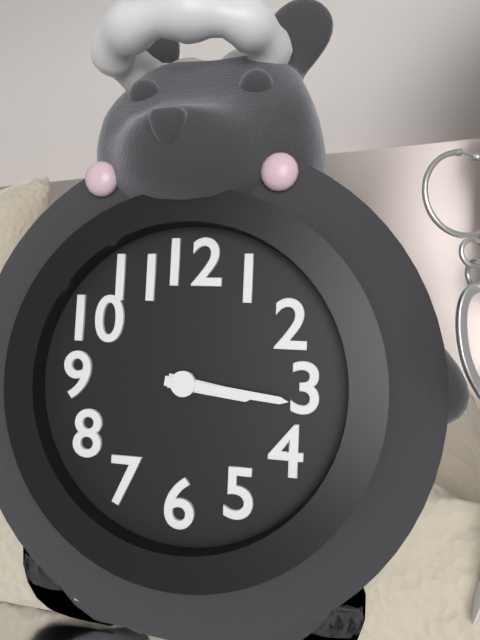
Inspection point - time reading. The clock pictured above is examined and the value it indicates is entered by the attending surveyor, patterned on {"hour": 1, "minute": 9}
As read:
{"hour": 3, "minute": 16}
